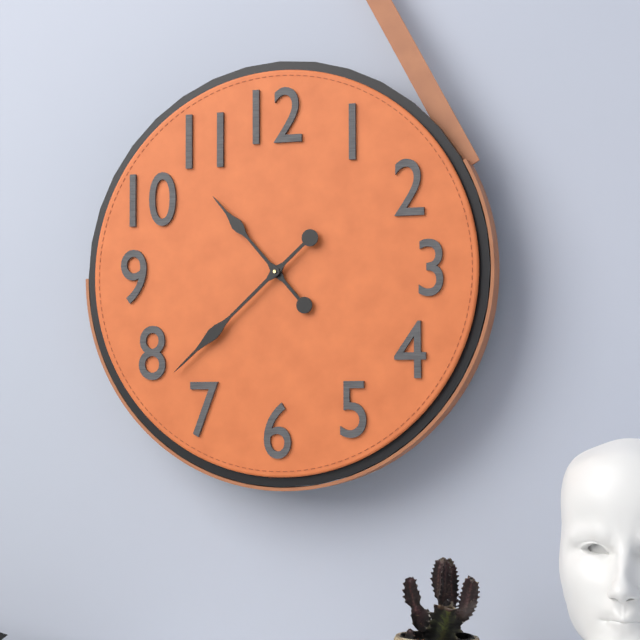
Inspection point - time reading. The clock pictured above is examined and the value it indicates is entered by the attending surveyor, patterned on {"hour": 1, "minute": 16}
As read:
{"hour": 10, "minute": 38}
